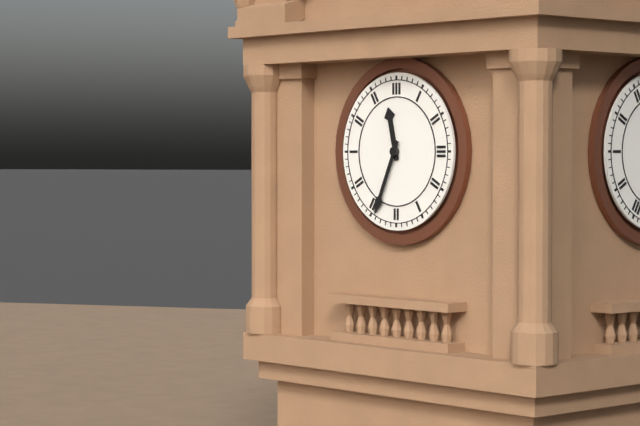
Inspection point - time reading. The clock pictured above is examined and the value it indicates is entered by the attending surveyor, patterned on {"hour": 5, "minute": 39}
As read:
{"hour": 11, "minute": 34}
